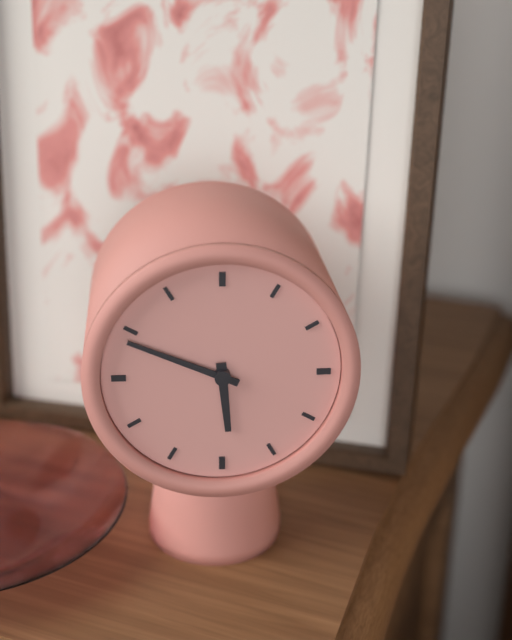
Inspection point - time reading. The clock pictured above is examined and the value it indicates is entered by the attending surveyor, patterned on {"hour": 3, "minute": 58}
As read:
{"hour": 5, "minute": 49}
